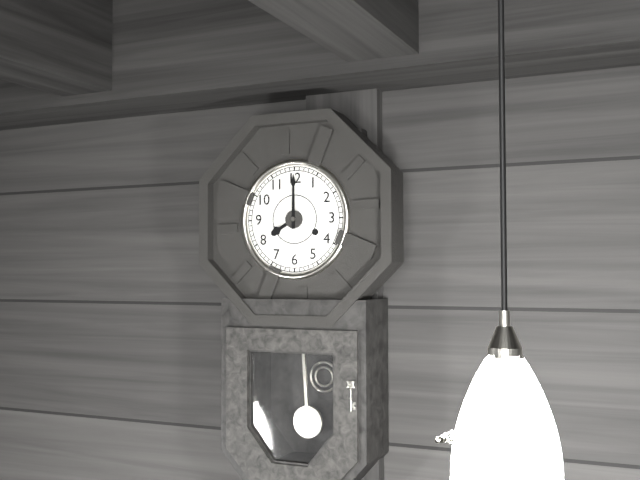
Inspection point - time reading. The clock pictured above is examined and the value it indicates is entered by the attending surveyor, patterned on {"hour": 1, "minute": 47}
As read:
{"hour": 8, "minute": 0}
